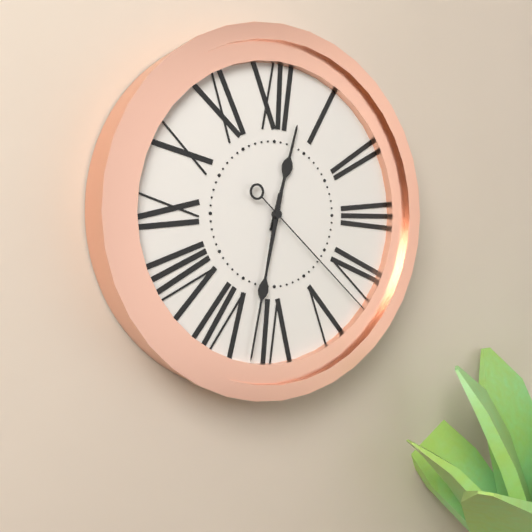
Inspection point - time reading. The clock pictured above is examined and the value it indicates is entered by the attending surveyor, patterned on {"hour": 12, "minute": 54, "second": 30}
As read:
{"hour": 12, "minute": 32, "second": 22}
